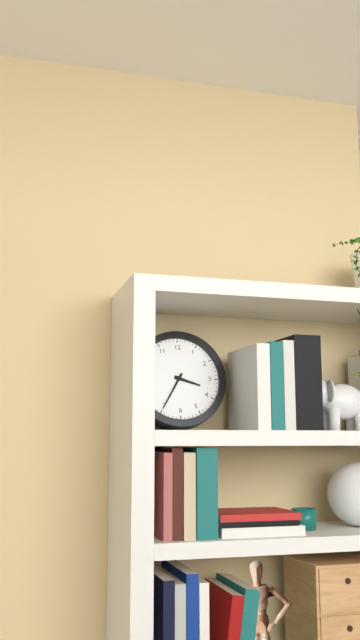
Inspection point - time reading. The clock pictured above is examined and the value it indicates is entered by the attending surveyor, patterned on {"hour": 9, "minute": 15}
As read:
{"hour": 3, "minute": 35}
